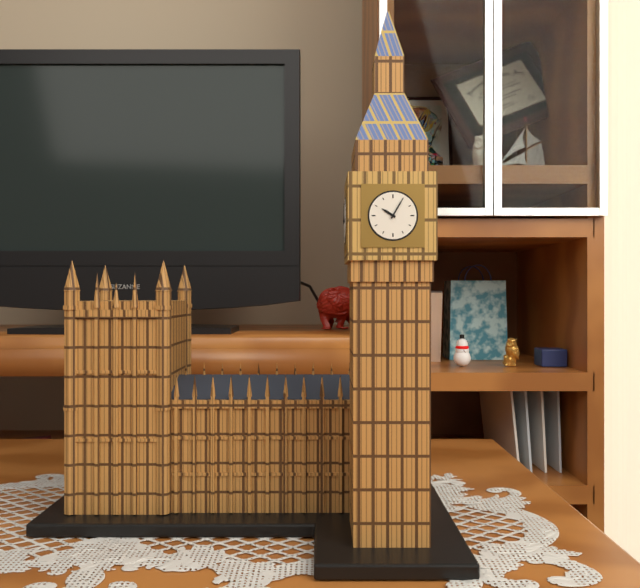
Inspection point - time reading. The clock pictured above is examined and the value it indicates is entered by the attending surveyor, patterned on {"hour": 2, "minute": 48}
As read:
{"hour": 10, "minute": 5}
